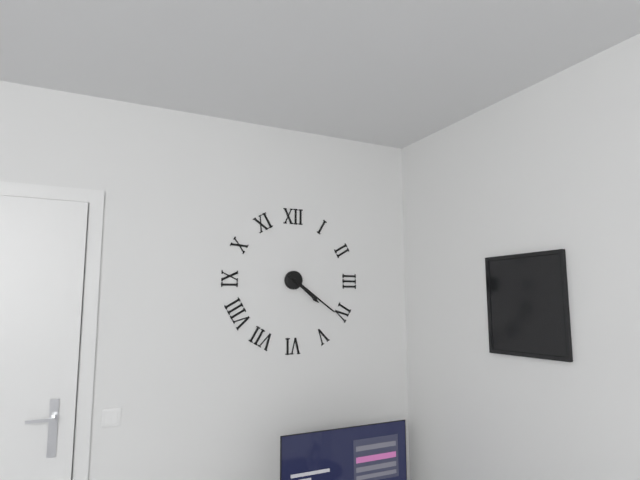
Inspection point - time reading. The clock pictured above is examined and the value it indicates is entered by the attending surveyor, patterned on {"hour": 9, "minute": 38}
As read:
{"hour": 4, "minute": 21}
